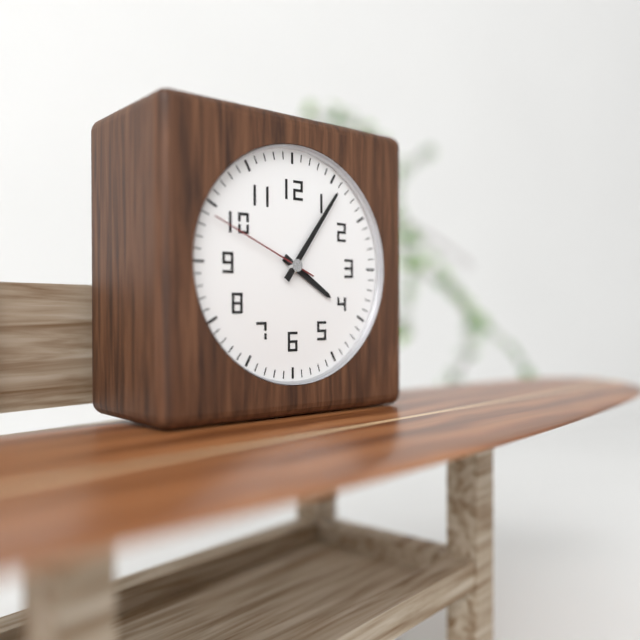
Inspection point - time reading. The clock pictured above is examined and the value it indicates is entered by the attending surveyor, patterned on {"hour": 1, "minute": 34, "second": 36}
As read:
{"hour": 4, "minute": 6, "second": 49}
